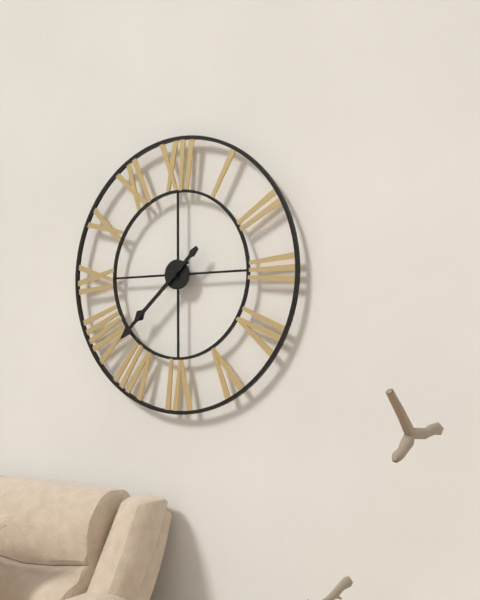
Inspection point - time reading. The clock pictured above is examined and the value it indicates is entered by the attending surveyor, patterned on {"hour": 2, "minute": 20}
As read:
{"hour": 7, "minute": 38}
